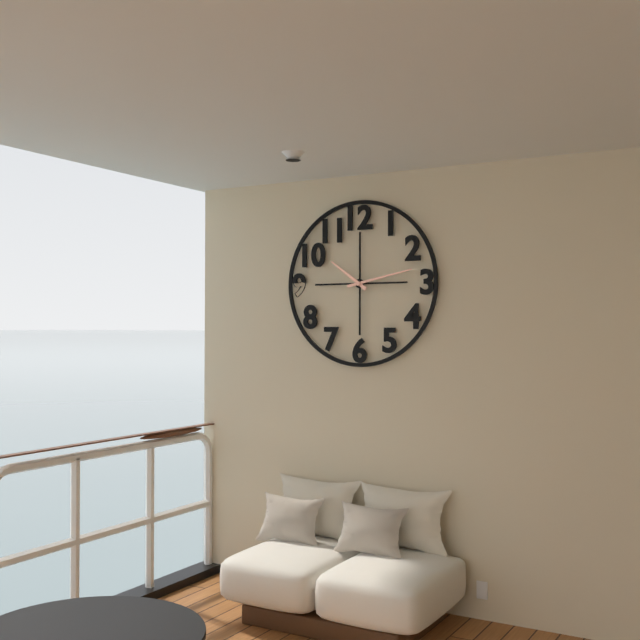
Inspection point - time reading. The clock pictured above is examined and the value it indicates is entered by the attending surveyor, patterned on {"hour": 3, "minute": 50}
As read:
{"hour": 10, "minute": 13}
